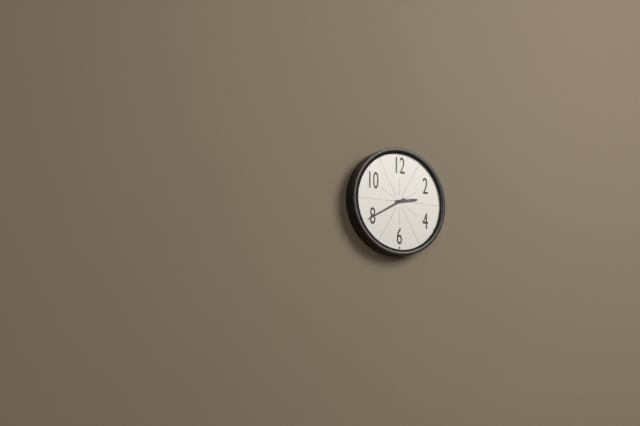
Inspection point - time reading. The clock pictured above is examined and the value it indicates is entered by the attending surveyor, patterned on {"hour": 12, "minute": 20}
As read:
{"hour": 2, "minute": 40}
